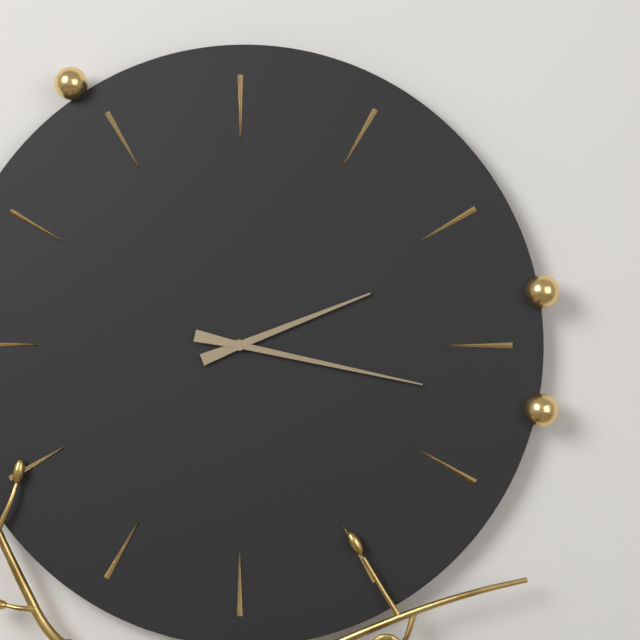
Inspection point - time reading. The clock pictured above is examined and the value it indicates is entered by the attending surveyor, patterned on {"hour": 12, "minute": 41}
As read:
{"hour": 2, "minute": 17}
